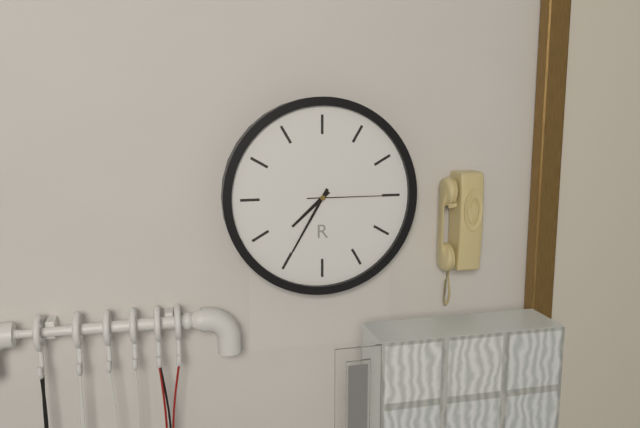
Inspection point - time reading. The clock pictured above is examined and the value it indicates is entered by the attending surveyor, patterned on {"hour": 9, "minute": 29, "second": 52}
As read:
{"hour": 7, "minute": 35, "second": 15}
